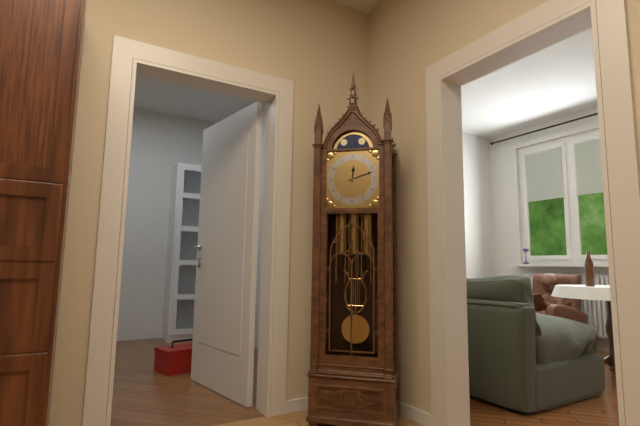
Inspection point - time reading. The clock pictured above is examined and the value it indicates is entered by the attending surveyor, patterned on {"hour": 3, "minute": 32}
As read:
{"hour": 12, "minute": 12}
